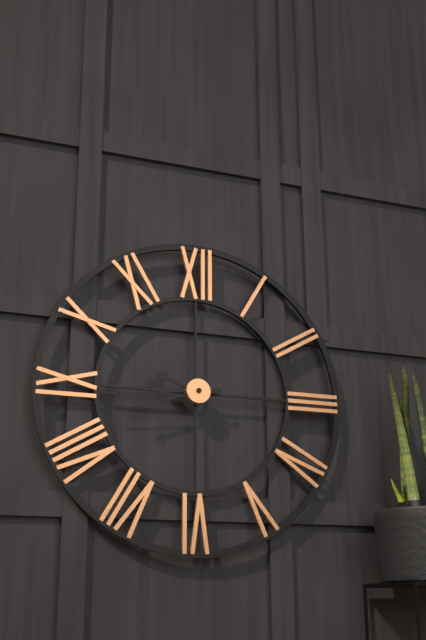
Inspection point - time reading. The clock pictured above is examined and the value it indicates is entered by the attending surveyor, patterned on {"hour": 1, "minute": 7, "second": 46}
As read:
{"hour": 9, "minute": 42, "second": 44}
